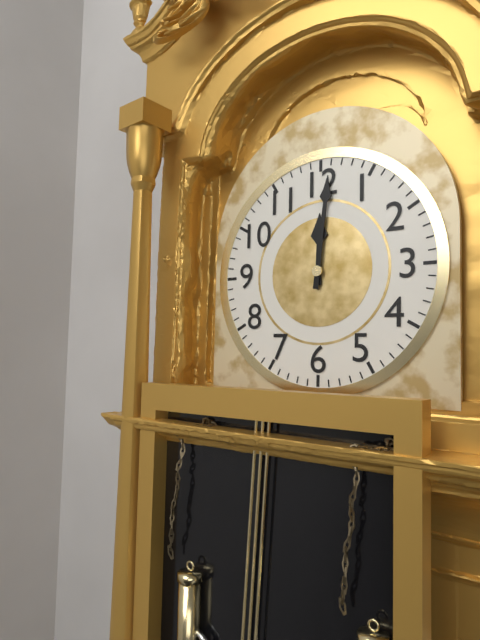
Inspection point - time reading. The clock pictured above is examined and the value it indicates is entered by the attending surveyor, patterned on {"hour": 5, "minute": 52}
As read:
{"hour": 12, "minute": 1}
